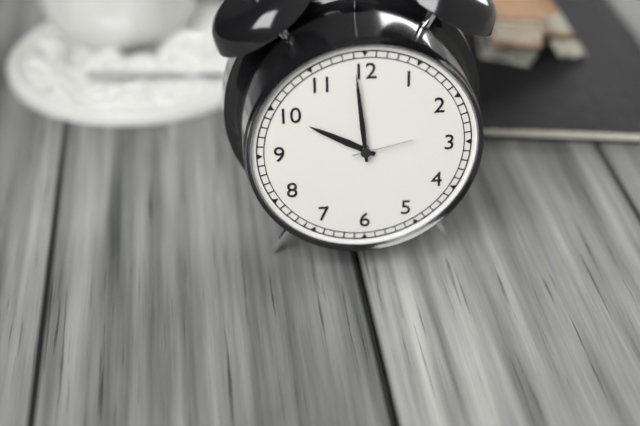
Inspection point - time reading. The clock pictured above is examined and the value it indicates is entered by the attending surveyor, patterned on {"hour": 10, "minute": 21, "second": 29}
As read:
{"hour": 9, "minute": 59, "second": 13}
